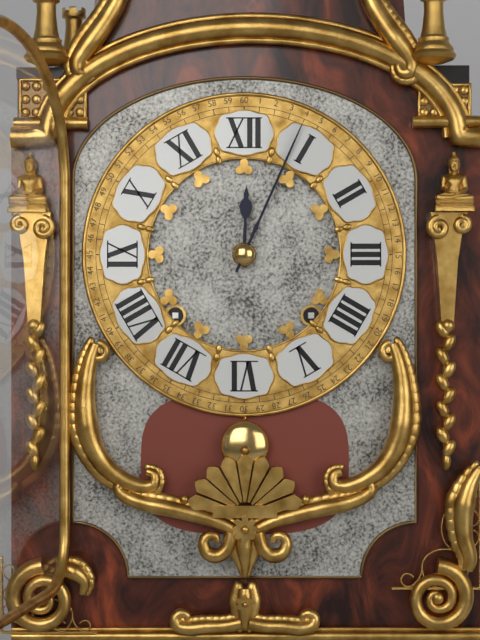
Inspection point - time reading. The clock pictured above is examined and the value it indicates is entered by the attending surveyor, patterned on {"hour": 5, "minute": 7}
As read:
{"hour": 12, "minute": 4}
